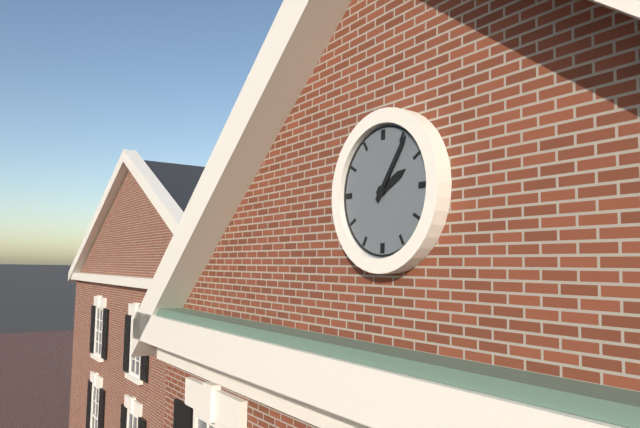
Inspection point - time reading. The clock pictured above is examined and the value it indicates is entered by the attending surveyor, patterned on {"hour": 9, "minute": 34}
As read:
{"hour": 2, "minute": 6}
